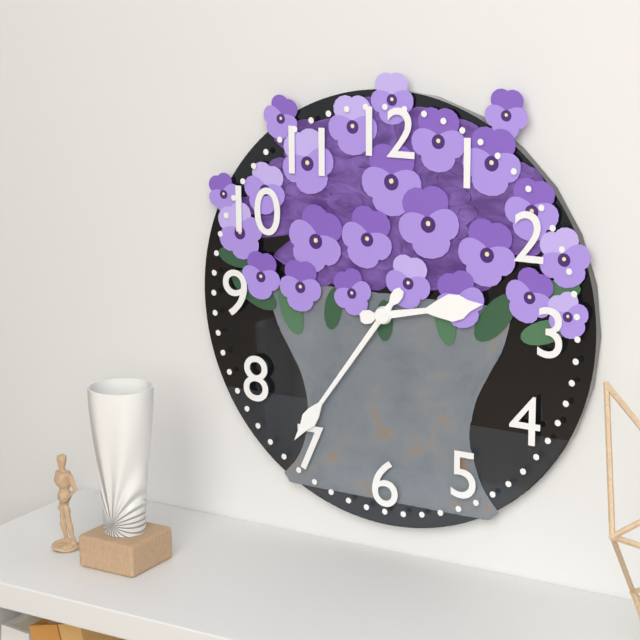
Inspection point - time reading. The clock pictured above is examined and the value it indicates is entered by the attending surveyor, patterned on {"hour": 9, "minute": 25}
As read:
{"hour": 2, "minute": 36}
